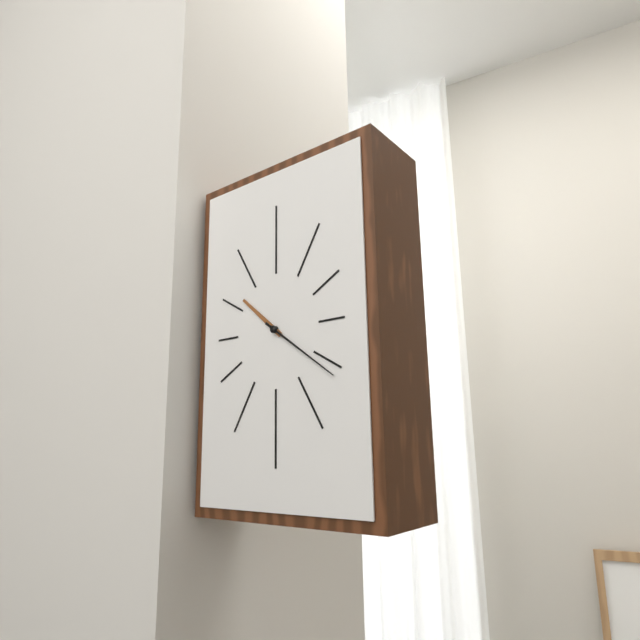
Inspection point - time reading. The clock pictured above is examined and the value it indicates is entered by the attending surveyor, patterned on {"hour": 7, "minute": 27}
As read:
{"hour": 10, "minute": 21}
